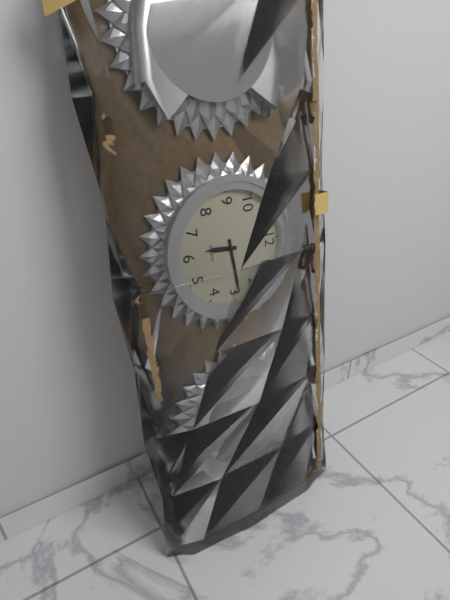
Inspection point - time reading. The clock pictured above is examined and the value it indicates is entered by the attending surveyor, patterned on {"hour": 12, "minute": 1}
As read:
{"hour": 6, "minute": 14}
